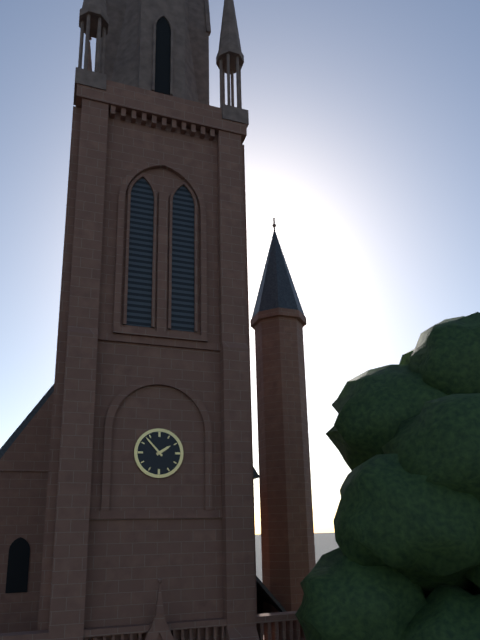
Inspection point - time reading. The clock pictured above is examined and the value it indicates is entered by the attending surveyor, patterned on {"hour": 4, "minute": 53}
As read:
{"hour": 1, "minute": 53}
